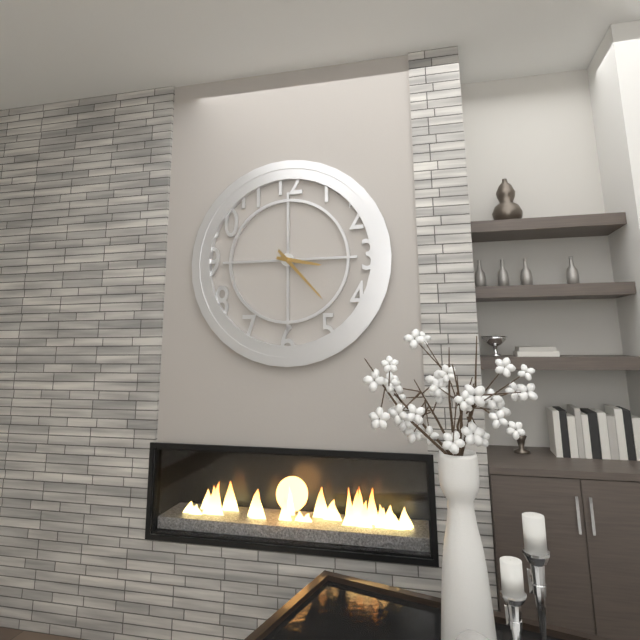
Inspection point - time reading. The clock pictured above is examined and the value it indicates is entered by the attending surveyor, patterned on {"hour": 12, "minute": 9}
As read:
{"hour": 3, "minute": 23}
